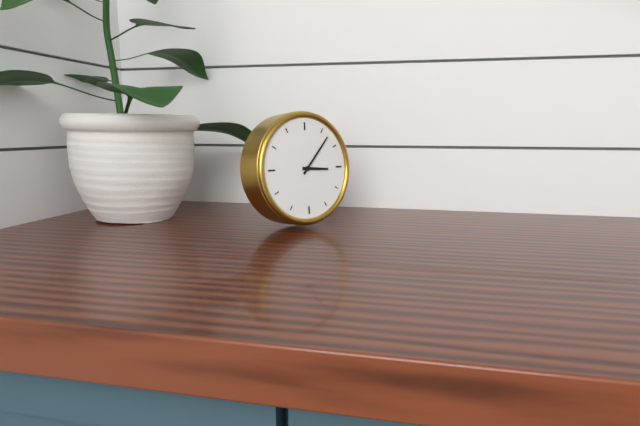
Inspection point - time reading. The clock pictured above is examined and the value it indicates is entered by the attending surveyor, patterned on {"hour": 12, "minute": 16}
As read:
{"hour": 3, "minute": 7}
